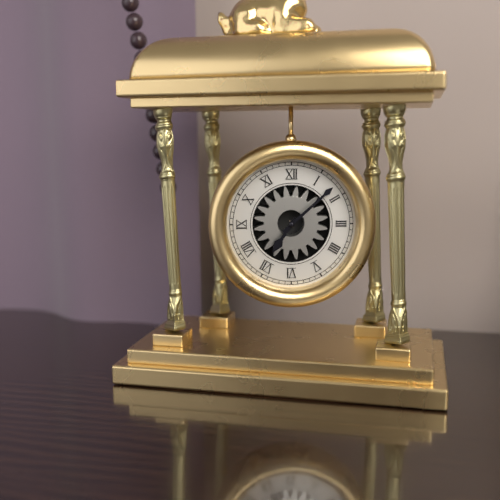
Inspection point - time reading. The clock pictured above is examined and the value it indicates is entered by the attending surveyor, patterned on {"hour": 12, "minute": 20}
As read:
{"hour": 7, "minute": 8}
